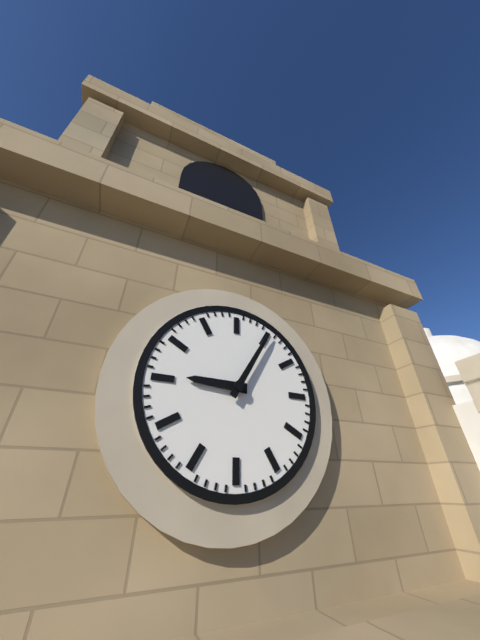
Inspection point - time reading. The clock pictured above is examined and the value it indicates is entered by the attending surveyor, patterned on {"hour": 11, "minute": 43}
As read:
{"hour": 9, "minute": 5}
